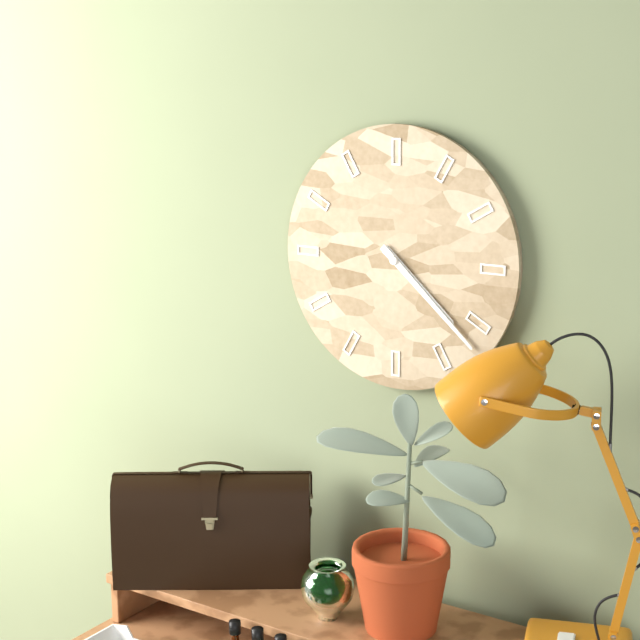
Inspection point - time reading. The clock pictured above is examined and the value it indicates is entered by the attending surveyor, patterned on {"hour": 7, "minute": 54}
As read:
{"hour": 4, "minute": 22}
